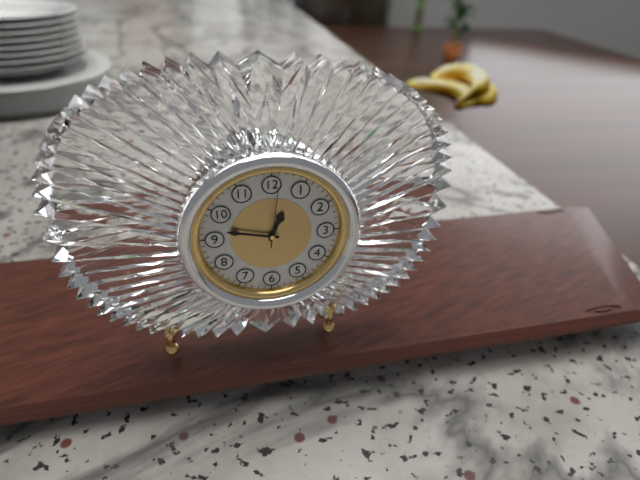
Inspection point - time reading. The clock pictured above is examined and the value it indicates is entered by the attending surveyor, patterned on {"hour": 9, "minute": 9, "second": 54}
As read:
{"hour": 12, "minute": 47, "second": 1}
